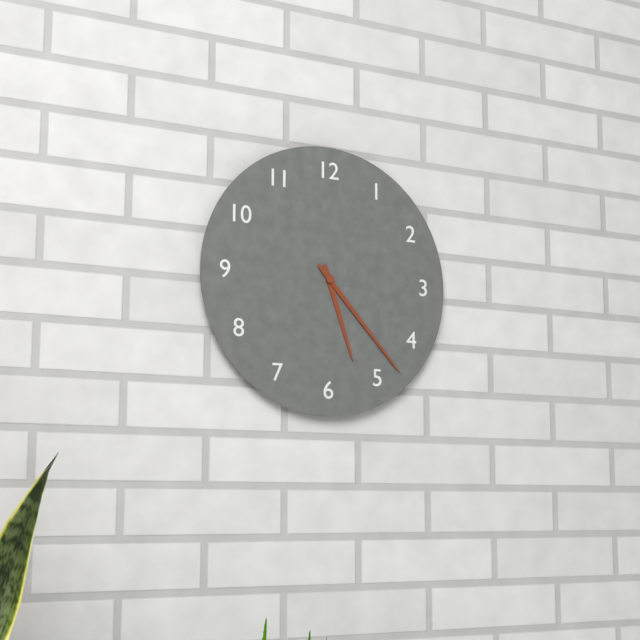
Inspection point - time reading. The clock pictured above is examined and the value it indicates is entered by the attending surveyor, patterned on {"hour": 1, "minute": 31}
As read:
{"hour": 5, "minute": 23}
